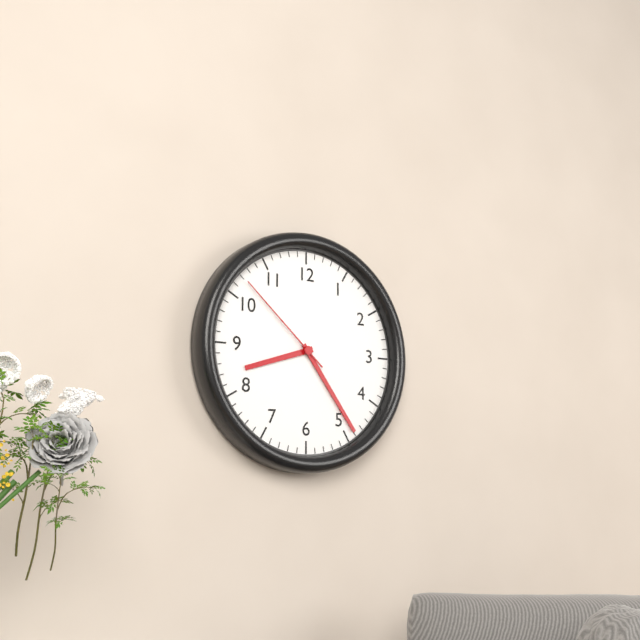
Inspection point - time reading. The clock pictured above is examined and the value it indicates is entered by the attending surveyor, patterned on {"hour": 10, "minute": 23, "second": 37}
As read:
{"hour": 8, "minute": 24, "second": 52}
